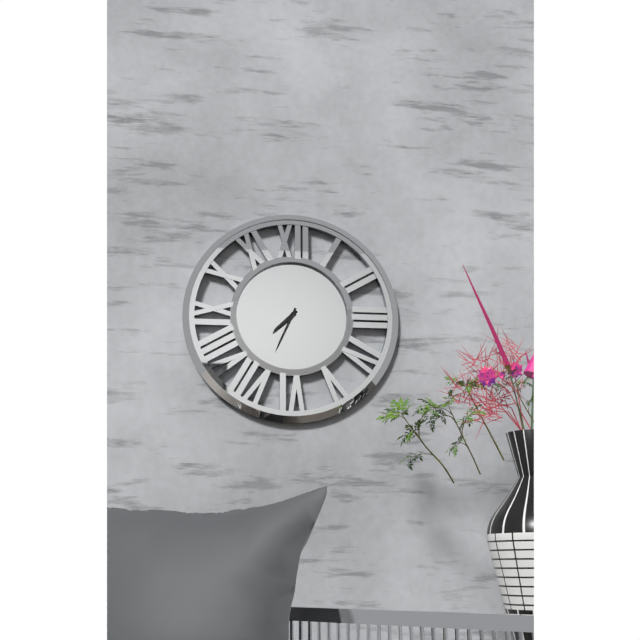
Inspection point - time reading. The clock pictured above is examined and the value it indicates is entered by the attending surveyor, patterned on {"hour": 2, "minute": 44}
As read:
{"hour": 7, "minute": 34}
